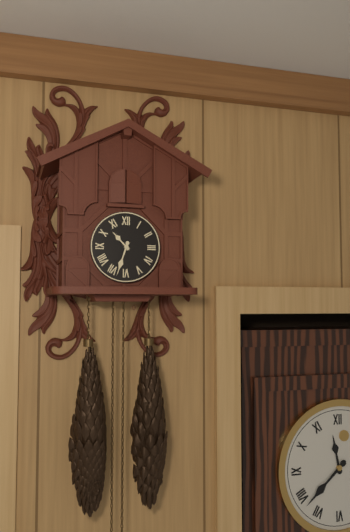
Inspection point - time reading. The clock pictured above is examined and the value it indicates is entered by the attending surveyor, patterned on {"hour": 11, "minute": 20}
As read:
{"hour": 10, "minute": 33}
